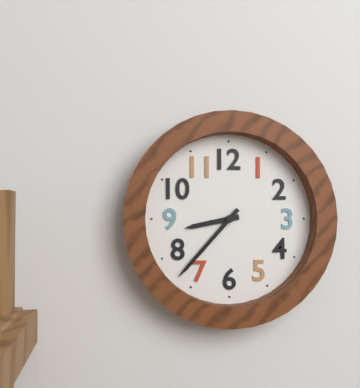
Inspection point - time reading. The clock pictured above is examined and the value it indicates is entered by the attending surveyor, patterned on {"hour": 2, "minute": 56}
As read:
{"hour": 8, "minute": 37}
